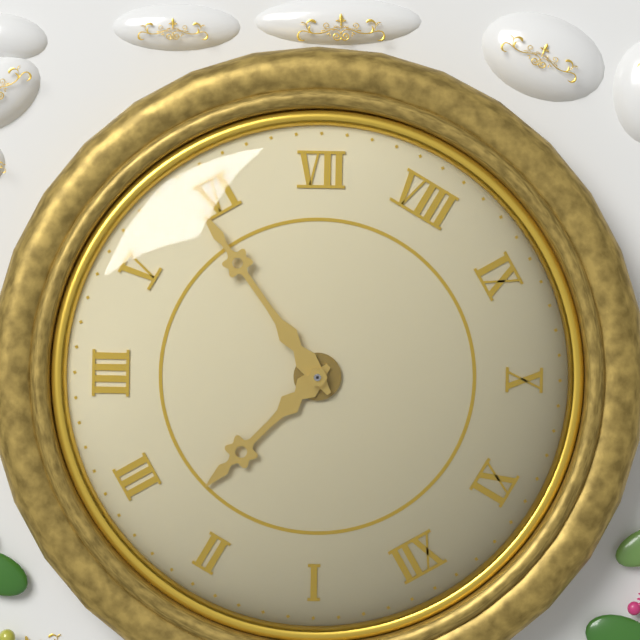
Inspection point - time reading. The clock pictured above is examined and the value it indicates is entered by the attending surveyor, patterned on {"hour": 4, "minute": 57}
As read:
{"hour": 2, "minute": 29}
